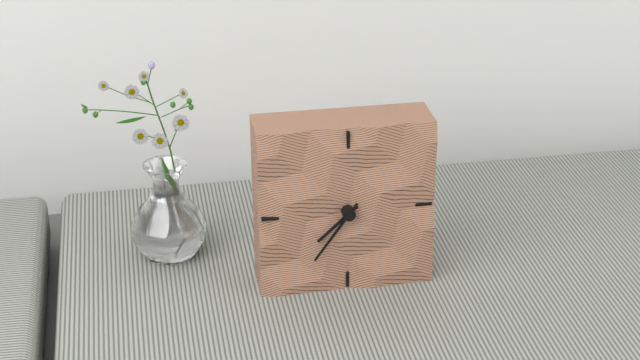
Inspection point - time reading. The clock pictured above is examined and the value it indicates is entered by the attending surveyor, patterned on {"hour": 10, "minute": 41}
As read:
{"hour": 7, "minute": 36}
